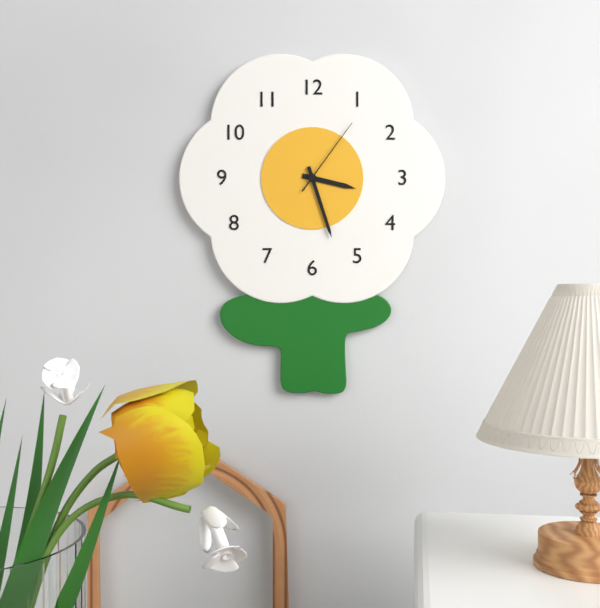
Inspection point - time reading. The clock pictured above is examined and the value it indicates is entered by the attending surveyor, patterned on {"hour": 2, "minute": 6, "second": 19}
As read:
{"hour": 3, "minute": 27, "second": 6}
